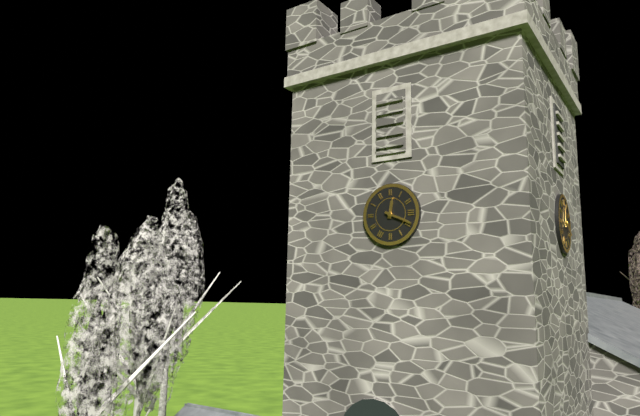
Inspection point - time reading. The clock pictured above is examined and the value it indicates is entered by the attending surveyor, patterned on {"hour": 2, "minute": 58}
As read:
{"hour": 12, "minute": 19}
